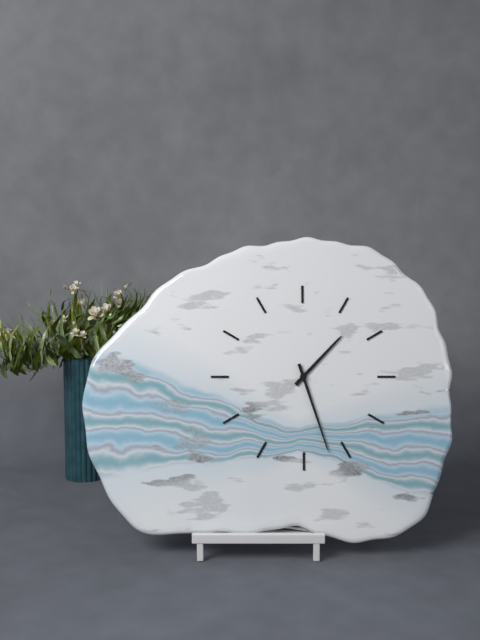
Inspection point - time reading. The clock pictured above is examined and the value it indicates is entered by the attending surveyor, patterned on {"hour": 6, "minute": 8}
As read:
{"hour": 1, "minute": 27}
